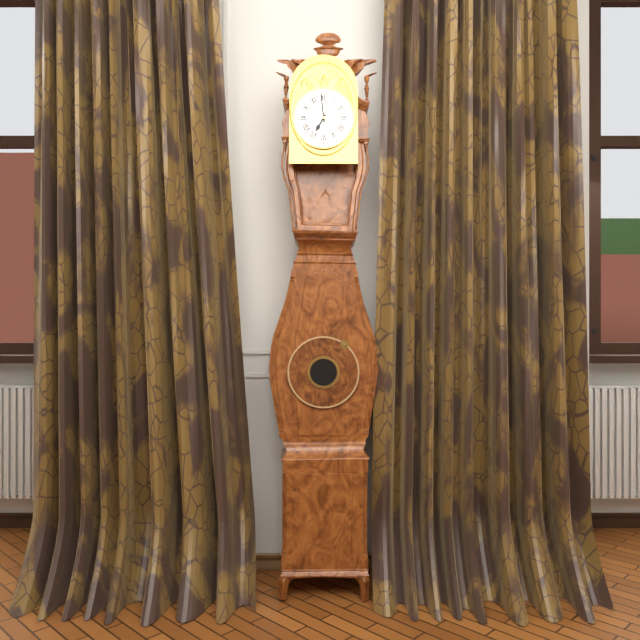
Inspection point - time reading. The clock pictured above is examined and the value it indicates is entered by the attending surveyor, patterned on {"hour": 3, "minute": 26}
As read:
{"hour": 6, "minute": 59}
